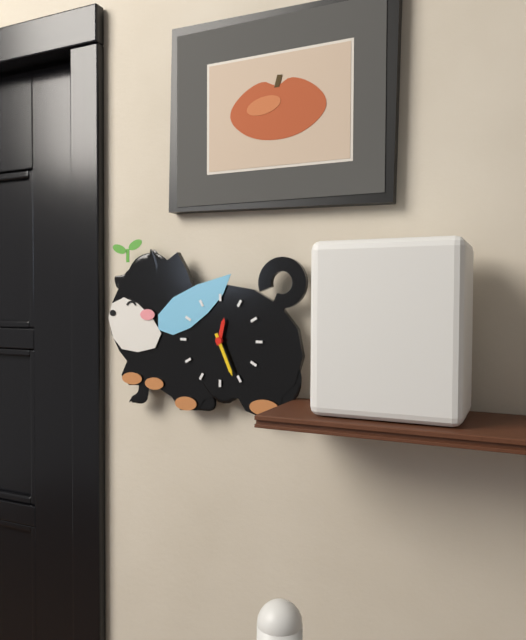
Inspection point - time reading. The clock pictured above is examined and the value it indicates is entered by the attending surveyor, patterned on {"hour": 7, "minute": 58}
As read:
{"hour": 12, "minute": 26}
